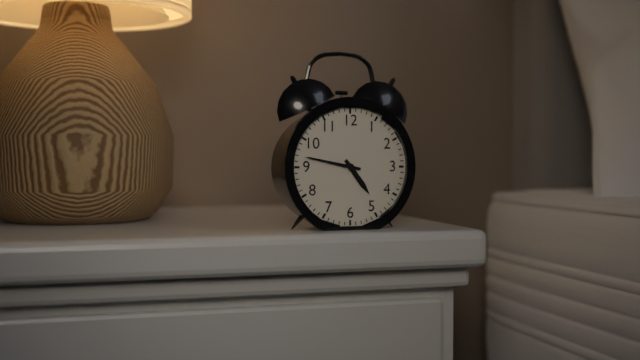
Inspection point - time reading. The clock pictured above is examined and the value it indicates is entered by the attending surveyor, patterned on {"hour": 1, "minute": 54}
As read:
{"hour": 4, "minute": 47}
